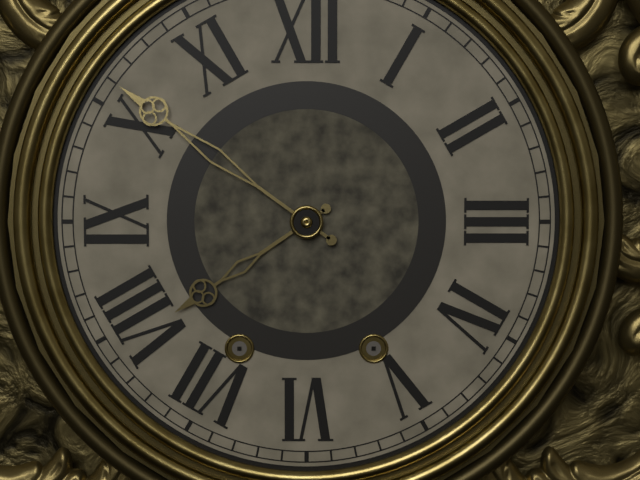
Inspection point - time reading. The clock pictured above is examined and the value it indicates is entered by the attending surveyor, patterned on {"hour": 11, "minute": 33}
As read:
{"hour": 7, "minute": 51}
